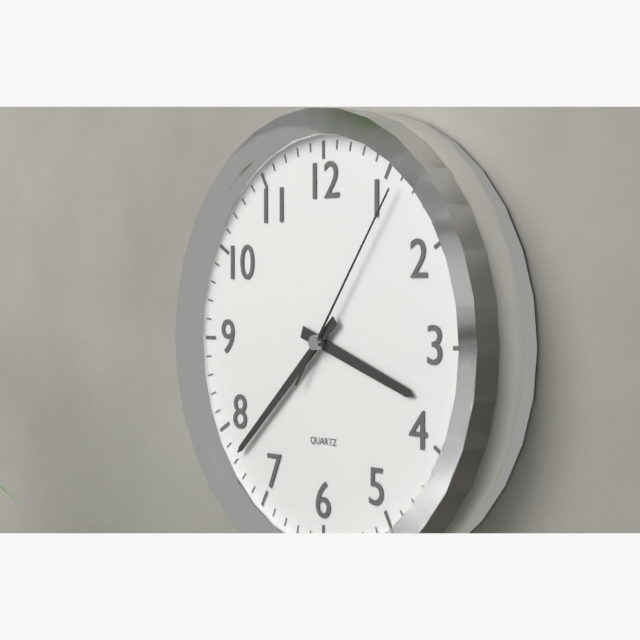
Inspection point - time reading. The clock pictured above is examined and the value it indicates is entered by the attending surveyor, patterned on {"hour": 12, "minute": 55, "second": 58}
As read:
{"hour": 3, "minute": 38, "second": 6}
